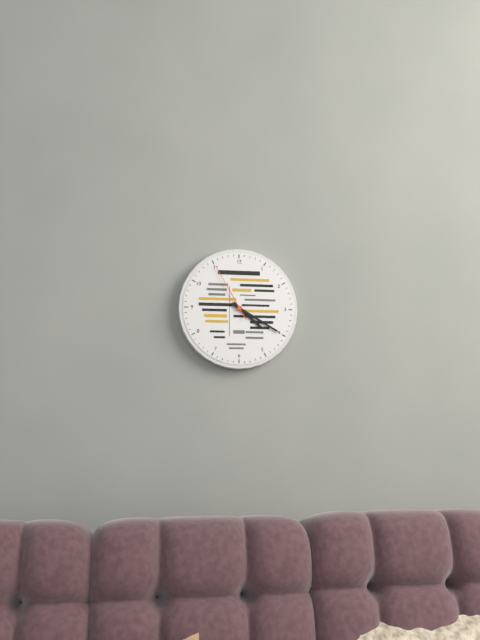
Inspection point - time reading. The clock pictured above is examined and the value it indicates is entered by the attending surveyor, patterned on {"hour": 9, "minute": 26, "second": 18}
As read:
{"hour": 4, "minute": 20, "second": 55}
